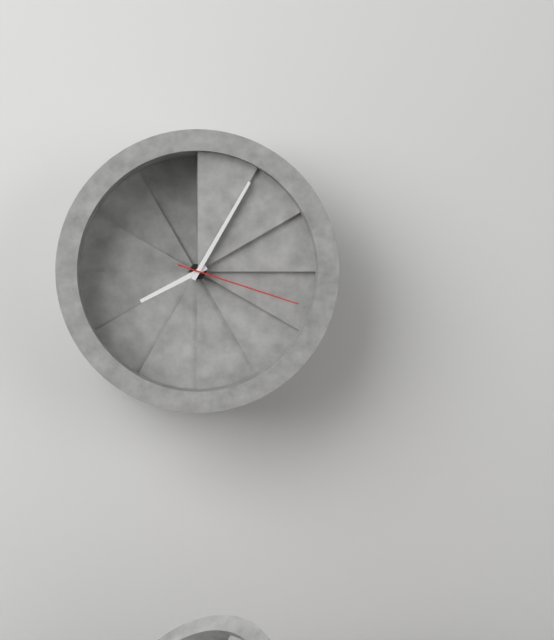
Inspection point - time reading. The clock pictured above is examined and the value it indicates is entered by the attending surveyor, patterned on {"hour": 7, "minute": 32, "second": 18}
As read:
{"hour": 8, "minute": 5, "second": 18}
